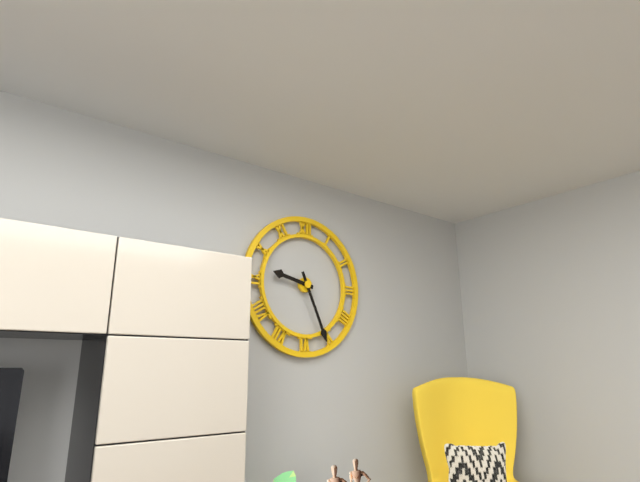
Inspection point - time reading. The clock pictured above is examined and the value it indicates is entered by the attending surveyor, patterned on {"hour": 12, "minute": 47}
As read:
{"hour": 9, "minute": 26}
